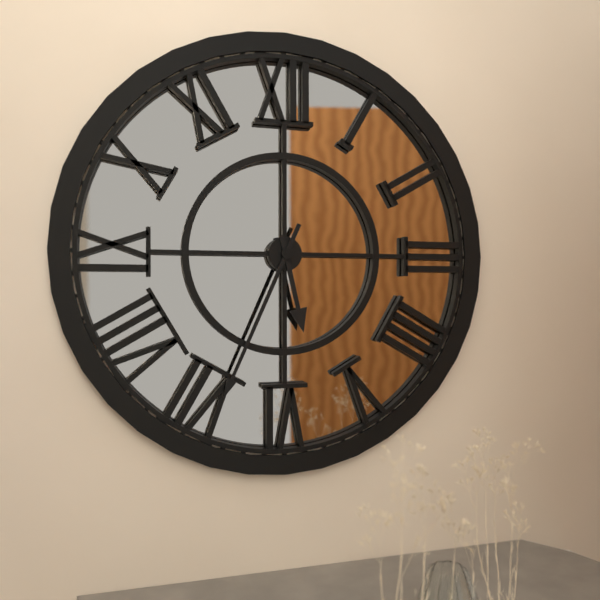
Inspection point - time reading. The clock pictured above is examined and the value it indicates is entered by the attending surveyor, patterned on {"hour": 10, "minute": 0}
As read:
{"hour": 5, "minute": 34}
